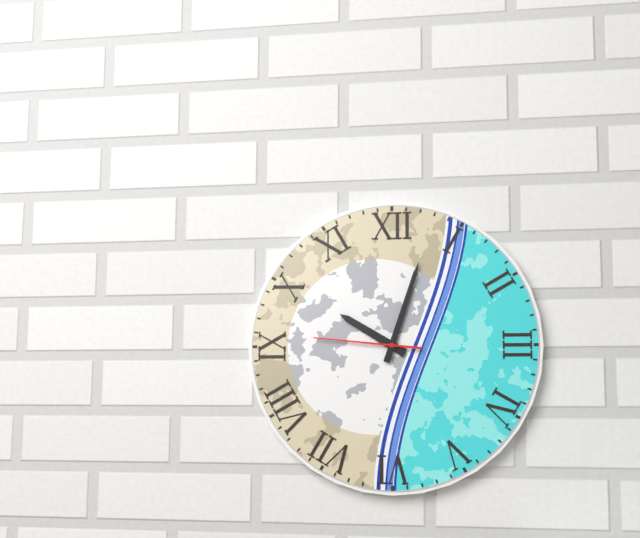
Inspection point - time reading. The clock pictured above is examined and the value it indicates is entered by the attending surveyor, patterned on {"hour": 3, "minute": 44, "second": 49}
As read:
{"hour": 10, "minute": 3, "second": 46}
